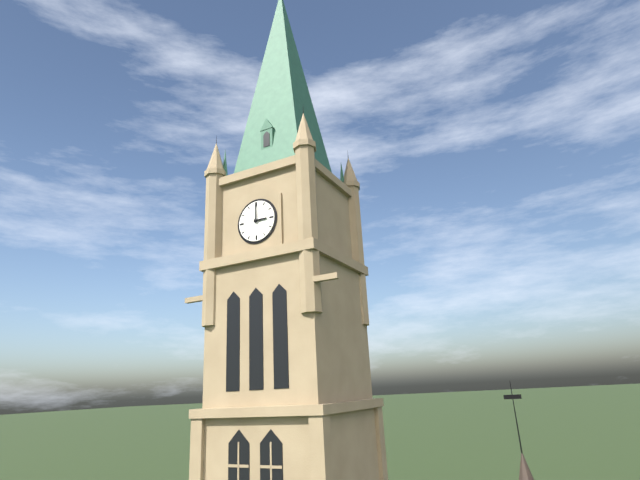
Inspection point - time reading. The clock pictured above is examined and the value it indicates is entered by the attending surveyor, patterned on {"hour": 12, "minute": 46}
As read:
{"hour": 3, "minute": 0}
